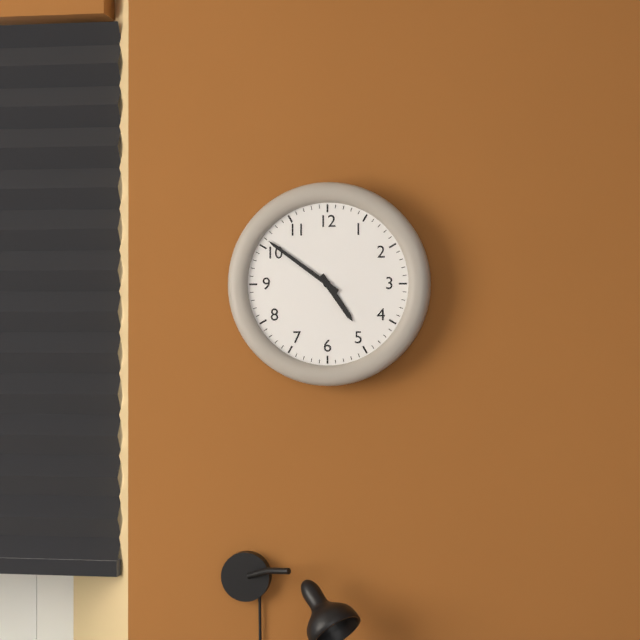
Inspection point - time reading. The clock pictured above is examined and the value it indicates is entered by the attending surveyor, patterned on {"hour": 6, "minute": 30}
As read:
{"hour": 4, "minute": 51}
